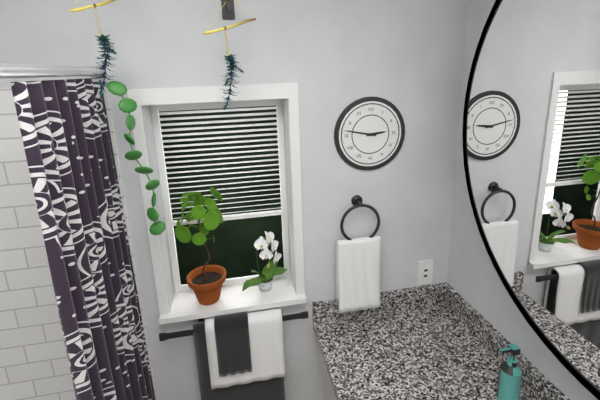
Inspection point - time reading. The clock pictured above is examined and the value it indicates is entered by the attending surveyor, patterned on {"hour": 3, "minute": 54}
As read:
{"hour": 2, "minute": 47}
